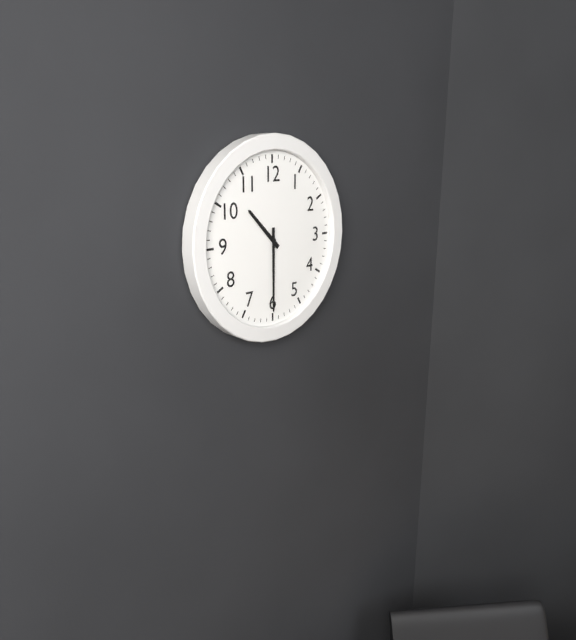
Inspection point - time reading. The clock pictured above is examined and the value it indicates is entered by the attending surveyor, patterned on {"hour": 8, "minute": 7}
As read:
{"hour": 10, "minute": 30}
